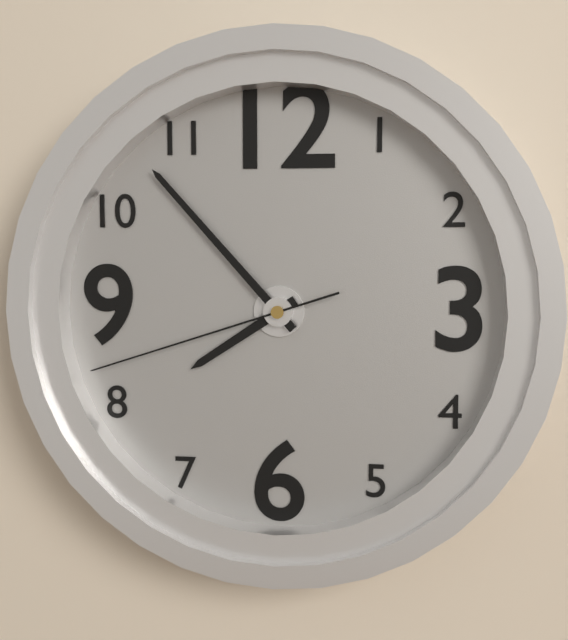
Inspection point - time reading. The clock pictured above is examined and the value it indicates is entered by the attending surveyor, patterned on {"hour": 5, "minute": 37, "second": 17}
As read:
{"hour": 7, "minute": 53, "second": 42}
